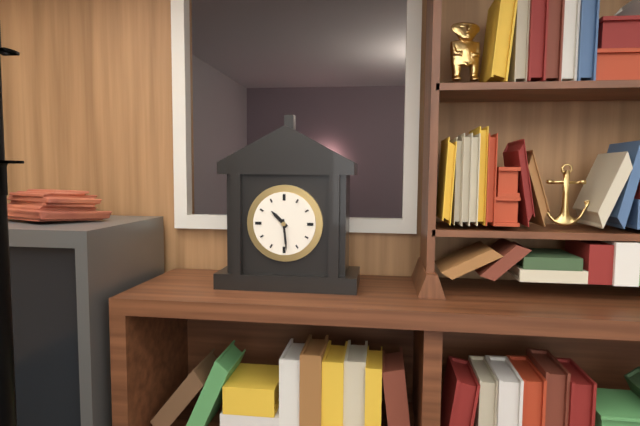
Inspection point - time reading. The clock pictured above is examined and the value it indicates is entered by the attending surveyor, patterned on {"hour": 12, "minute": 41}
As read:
{"hour": 10, "minute": 29}
